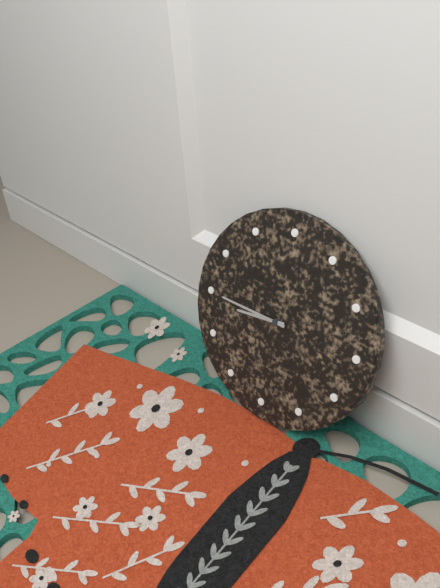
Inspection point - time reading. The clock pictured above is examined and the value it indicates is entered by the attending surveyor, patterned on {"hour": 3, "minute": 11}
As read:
{"hour": 8, "minute": 45}
